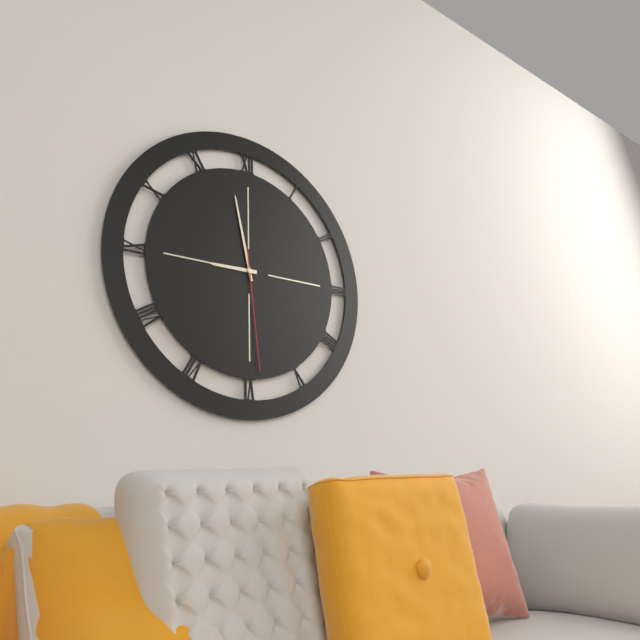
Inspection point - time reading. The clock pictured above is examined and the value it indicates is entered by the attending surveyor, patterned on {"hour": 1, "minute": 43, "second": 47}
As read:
{"hour": 8, "minute": 58, "second": 29}
